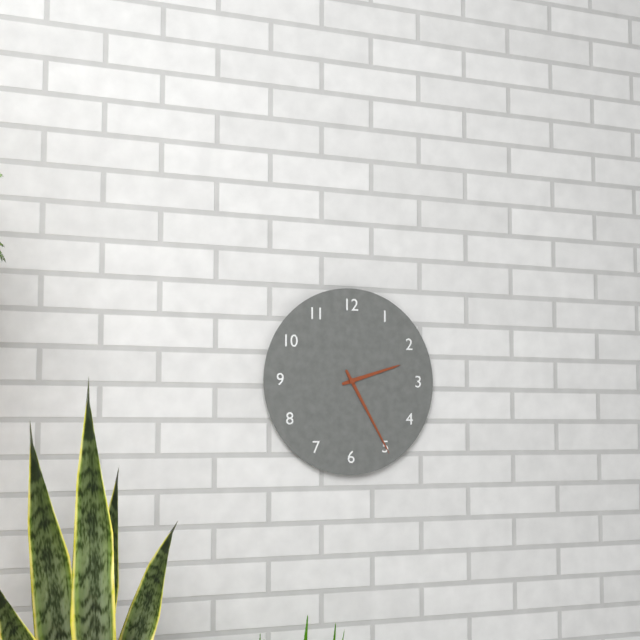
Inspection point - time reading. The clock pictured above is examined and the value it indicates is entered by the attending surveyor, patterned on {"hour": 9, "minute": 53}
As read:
{"hour": 2, "minute": 25}
